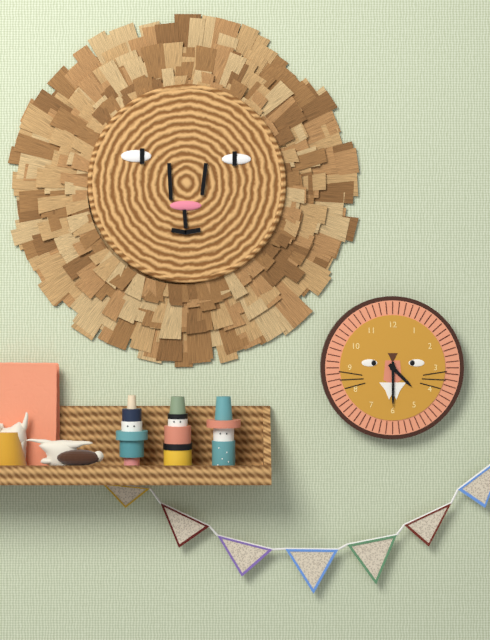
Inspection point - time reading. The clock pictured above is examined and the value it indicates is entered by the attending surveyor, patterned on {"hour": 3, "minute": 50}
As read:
{"hour": 4, "minute": 30}
